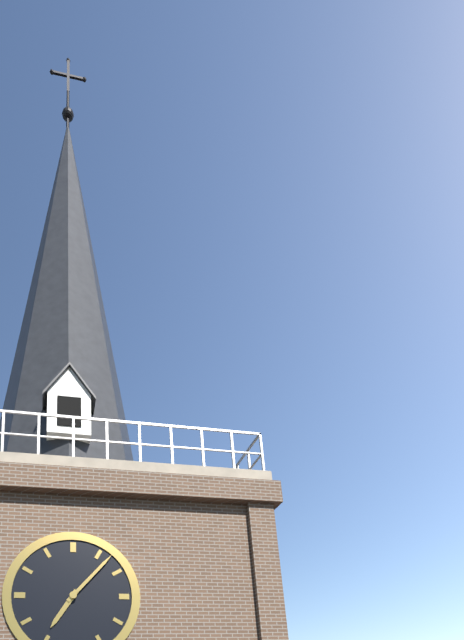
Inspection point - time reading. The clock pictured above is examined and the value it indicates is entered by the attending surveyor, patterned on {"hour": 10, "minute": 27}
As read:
{"hour": 7, "minute": 7}
